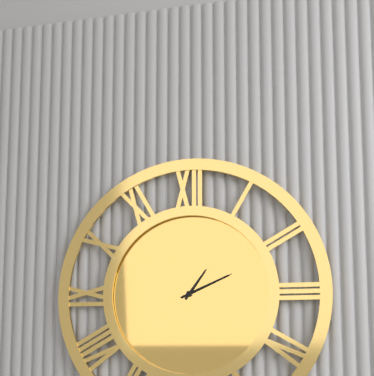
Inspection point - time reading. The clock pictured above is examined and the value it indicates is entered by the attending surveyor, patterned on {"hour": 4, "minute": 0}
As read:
{"hour": 1, "minute": 11}
